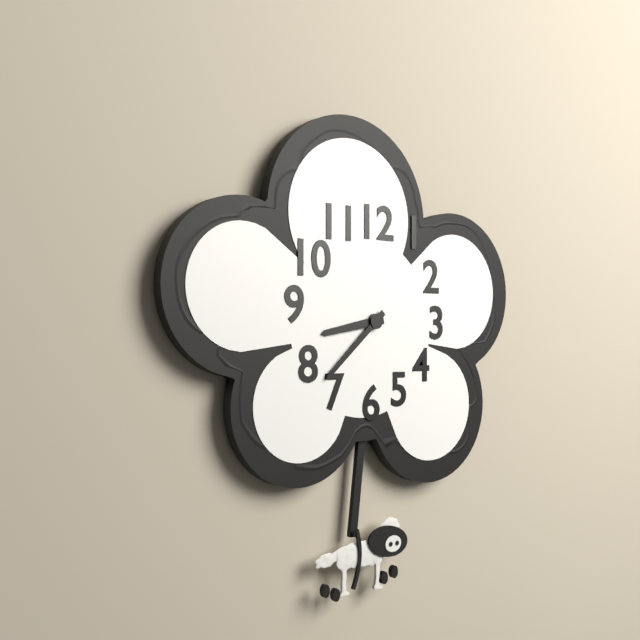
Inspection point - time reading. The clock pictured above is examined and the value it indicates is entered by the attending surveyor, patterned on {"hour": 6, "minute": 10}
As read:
{"hour": 8, "minute": 38}
